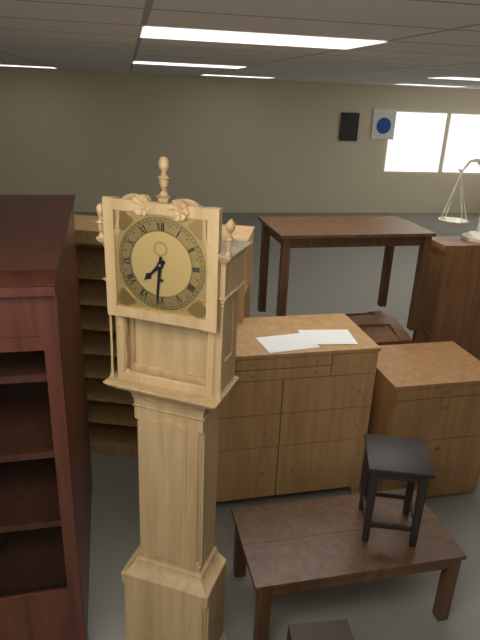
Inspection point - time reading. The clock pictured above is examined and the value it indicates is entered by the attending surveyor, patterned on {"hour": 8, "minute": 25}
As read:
{"hour": 7, "minute": 31}
